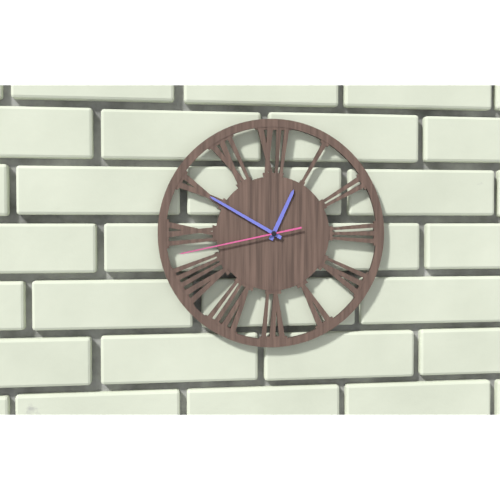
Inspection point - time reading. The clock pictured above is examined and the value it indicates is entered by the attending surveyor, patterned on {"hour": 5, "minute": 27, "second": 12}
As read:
{"hour": 12, "minute": 50, "second": 43}
